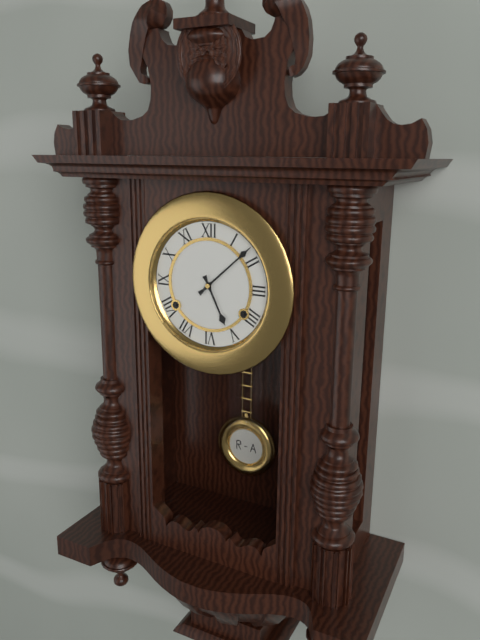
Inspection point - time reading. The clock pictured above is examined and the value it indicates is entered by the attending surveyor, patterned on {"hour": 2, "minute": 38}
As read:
{"hour": 5, "minute": 8}
